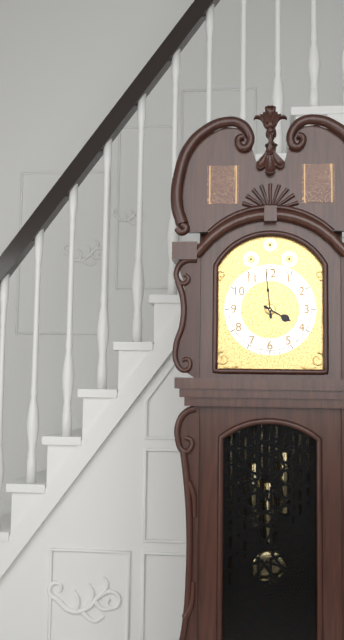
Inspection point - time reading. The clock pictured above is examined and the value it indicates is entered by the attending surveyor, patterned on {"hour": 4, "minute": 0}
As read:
{"hour": 3, "minute": 59}
